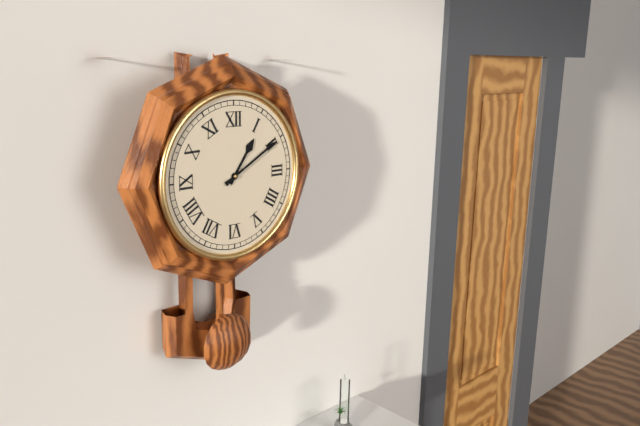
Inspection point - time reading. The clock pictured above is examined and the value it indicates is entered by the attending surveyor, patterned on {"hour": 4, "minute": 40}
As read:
{"hour": 1, "minute": 10}
